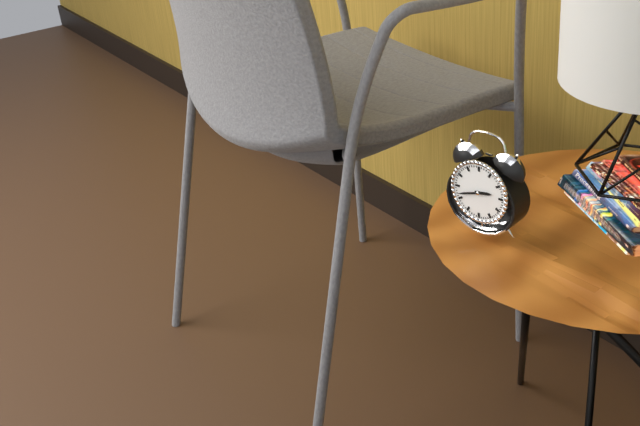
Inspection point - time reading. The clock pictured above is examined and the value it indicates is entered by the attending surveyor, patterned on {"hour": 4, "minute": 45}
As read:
{"hour": 2, "minute": 42}
